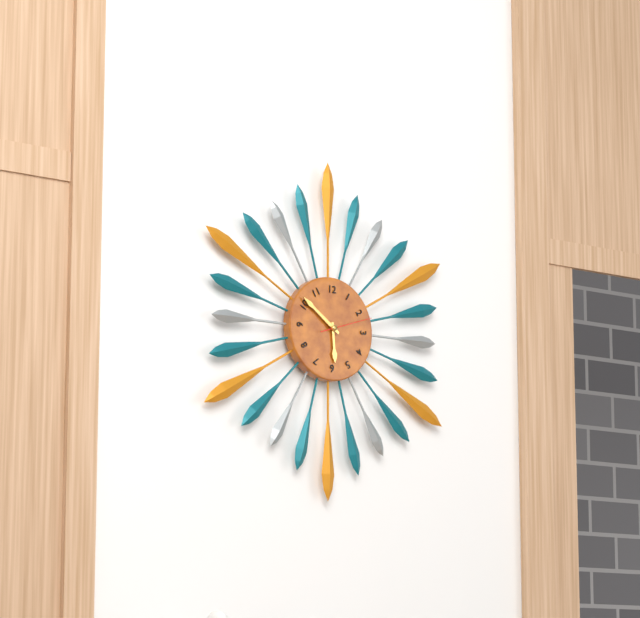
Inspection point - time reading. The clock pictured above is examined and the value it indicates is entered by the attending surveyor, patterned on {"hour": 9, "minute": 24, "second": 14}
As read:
{"hour": 5, "minute": 51, "second": 12}
